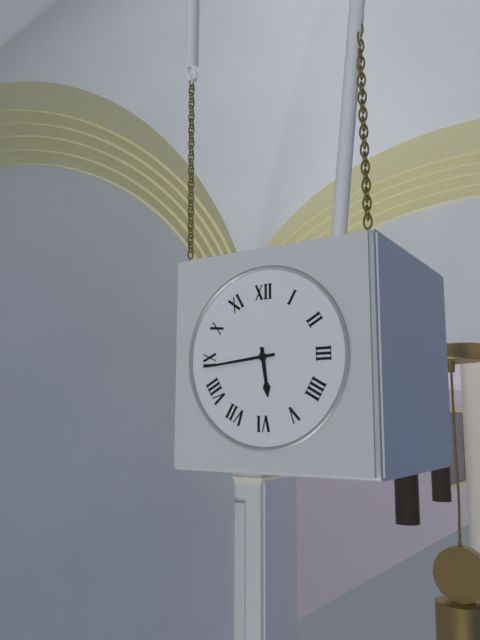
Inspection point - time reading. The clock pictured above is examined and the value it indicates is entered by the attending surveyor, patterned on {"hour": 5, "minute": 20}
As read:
{"hour": 5, "minute": 44}
